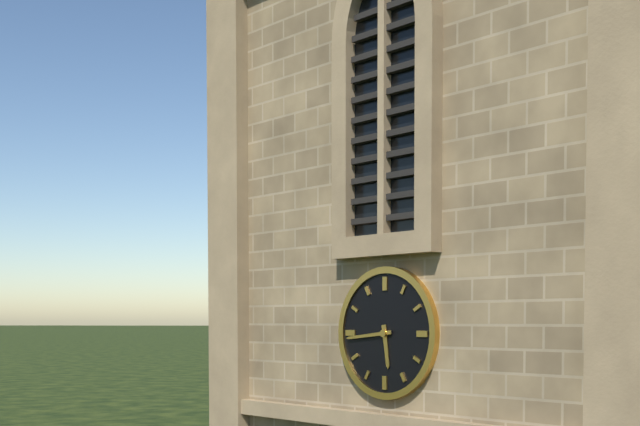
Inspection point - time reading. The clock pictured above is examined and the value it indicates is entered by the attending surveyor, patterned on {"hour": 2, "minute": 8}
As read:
{"hour": 5, "minute": 44}
